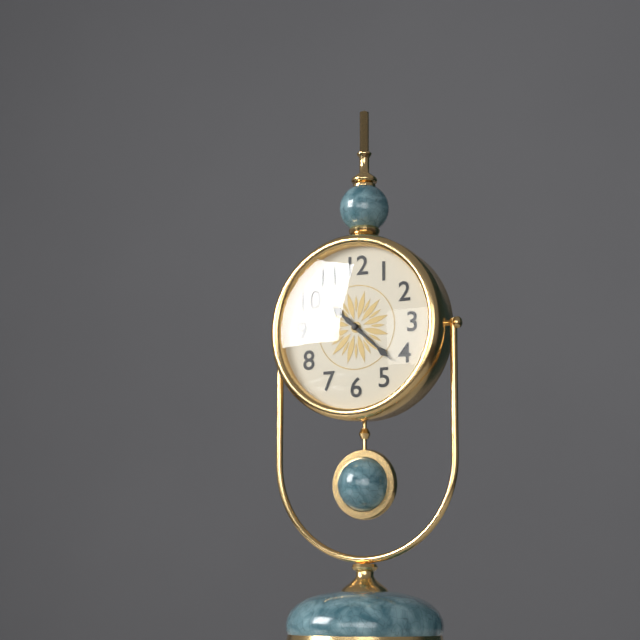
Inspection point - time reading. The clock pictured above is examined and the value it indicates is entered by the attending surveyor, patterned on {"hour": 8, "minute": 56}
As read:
{"hour": 10, "minute": 22}
